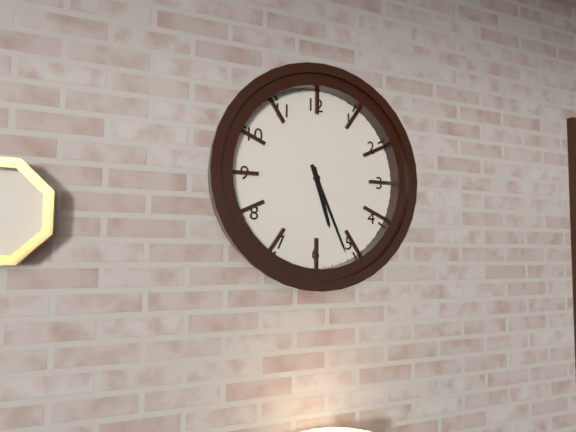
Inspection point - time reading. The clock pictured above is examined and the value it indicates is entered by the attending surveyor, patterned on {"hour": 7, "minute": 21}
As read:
{"hour": 5, "minute": 26}
